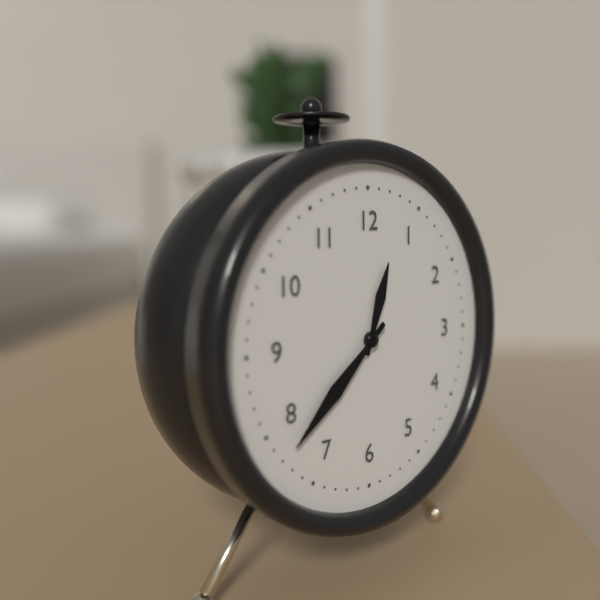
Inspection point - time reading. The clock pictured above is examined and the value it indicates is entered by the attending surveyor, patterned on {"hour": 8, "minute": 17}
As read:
{"hour": 12, "minute": 38}
